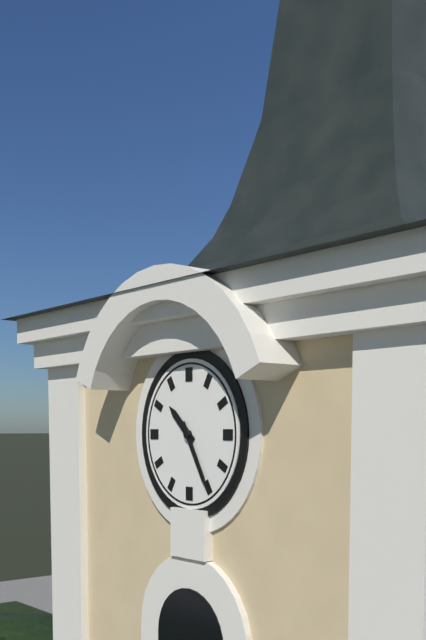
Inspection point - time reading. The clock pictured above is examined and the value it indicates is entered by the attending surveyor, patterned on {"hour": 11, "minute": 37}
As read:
{"hour": 10, "minute": 25}
